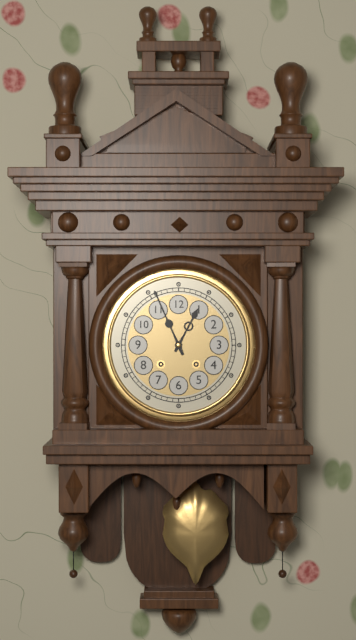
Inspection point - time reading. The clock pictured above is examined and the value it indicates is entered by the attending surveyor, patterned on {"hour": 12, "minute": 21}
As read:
{"hour": 12, "minute": 56}
